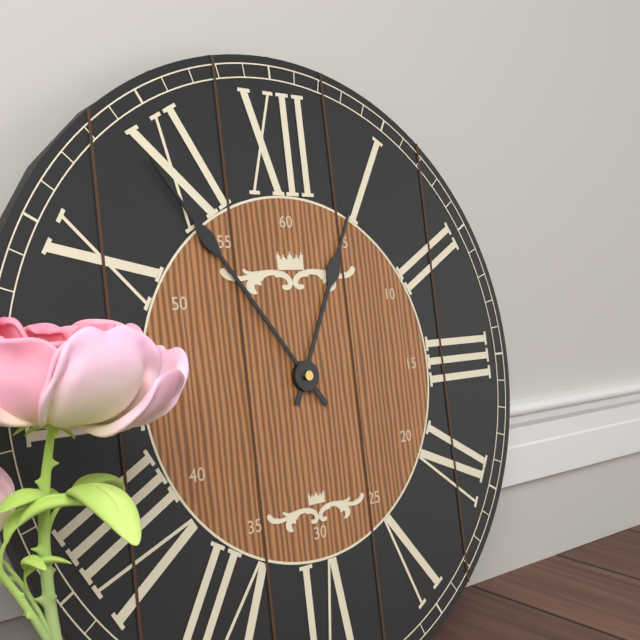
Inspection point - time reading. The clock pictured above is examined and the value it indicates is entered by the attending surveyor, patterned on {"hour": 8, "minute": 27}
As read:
{"hour": 12, "minute": 54}
